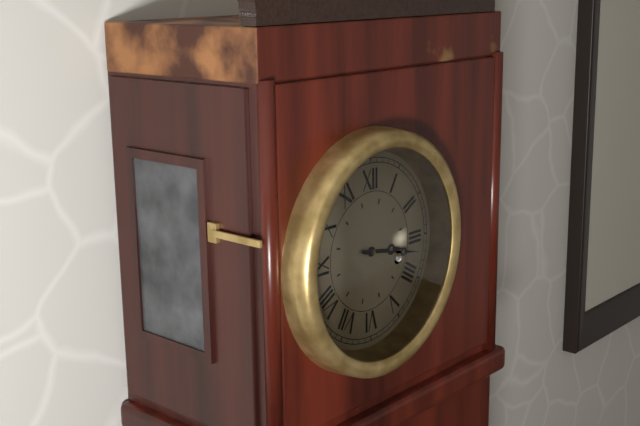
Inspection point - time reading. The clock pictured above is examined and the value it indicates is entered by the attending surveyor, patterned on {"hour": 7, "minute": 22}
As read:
{"hour": 3, "minute": 17}
